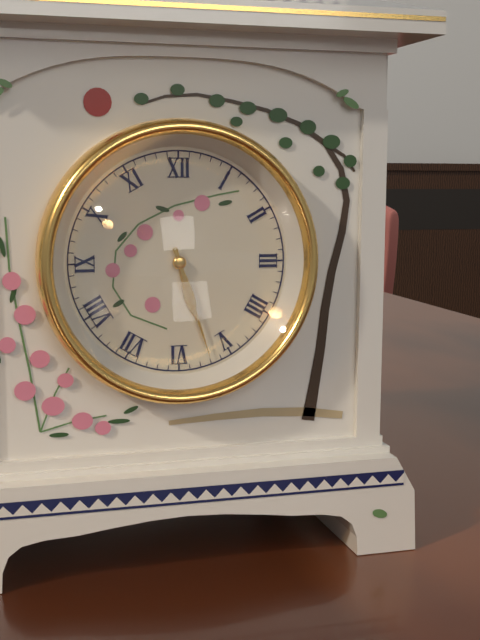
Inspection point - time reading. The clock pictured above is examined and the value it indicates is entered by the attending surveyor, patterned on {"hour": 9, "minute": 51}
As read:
{"hour": 5, "minute": 27}
